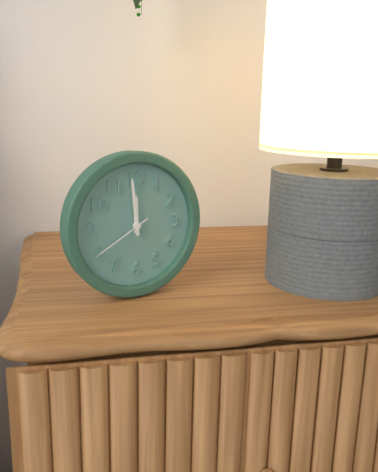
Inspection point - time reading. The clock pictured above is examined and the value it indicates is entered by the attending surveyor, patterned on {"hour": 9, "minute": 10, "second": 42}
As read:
{"hour": 11, "minute": 59, "second": 40}
